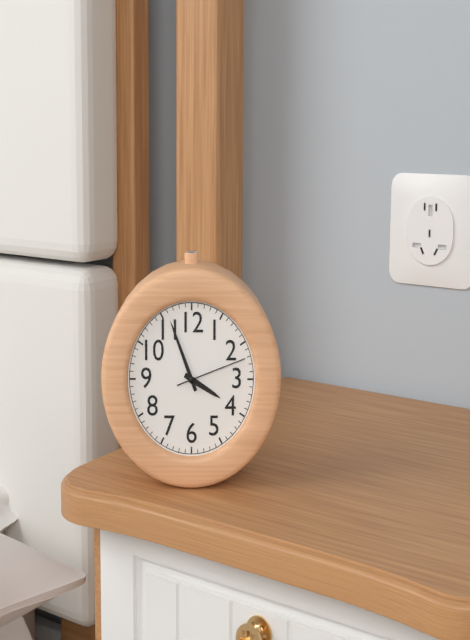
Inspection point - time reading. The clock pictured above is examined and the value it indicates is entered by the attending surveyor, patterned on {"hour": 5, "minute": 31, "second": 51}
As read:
{"hour": 3, "minute": 56, "second": 12}
